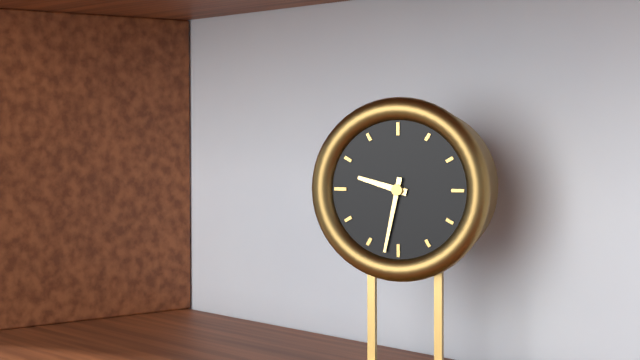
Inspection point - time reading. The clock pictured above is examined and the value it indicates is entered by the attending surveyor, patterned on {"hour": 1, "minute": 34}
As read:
{"hour": 9, "minute": 32}
